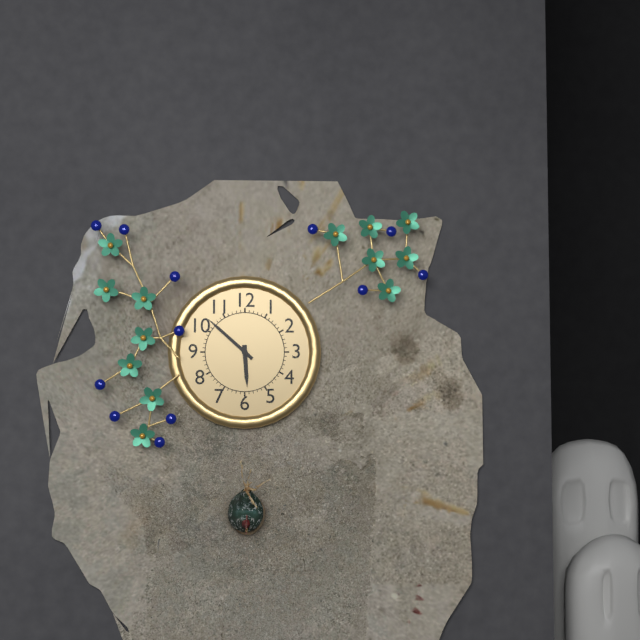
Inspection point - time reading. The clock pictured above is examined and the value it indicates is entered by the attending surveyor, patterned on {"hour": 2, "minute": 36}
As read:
{"hour": 5, "minute": 52}
